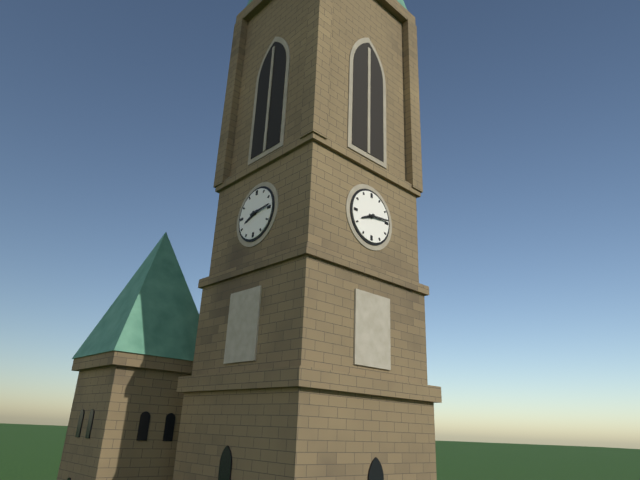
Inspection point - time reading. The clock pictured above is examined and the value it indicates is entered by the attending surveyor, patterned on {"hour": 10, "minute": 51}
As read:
{"hour": 8, "minute": 14}
